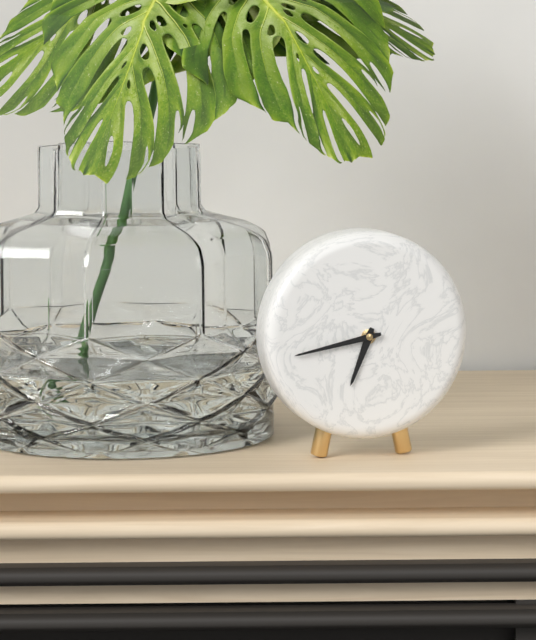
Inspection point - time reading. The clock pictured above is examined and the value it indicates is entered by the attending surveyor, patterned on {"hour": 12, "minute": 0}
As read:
{"hour": 6, "minute": 43}
